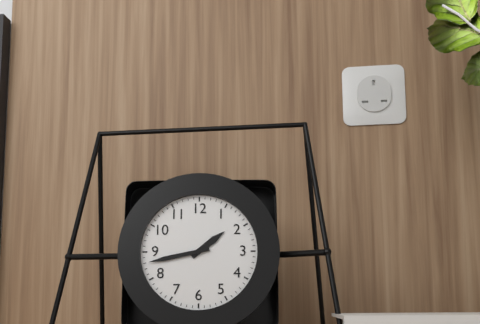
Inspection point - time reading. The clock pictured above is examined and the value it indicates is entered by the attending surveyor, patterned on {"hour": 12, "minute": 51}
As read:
{"hour": 1, "minute": 43}
